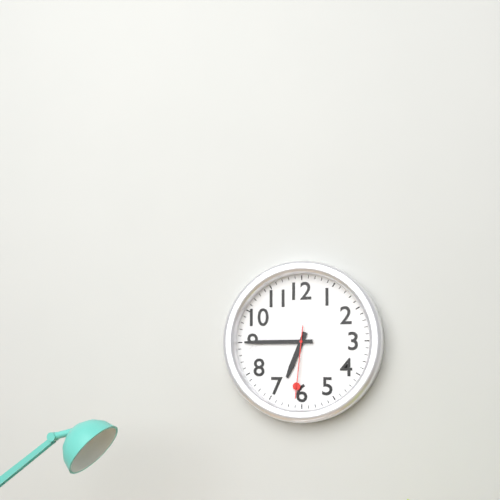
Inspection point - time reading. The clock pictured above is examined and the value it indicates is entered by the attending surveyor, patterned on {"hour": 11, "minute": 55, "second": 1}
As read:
{"hour": 6, "minute": 45, "second": 31}
